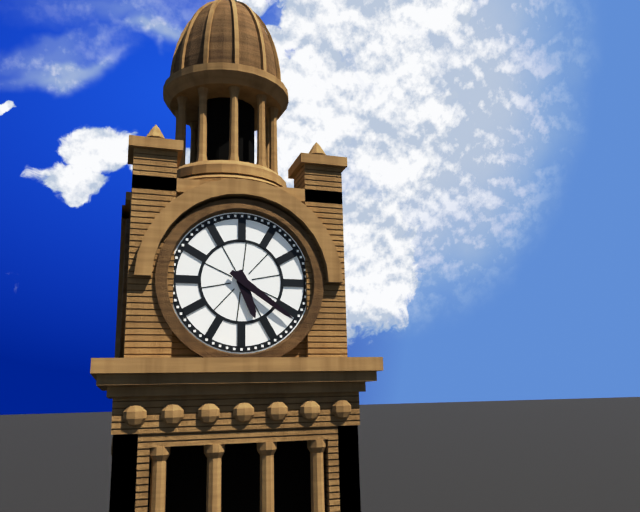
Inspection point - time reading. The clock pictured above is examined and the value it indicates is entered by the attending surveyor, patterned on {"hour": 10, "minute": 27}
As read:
{"hour": 5, "minute": 21}
